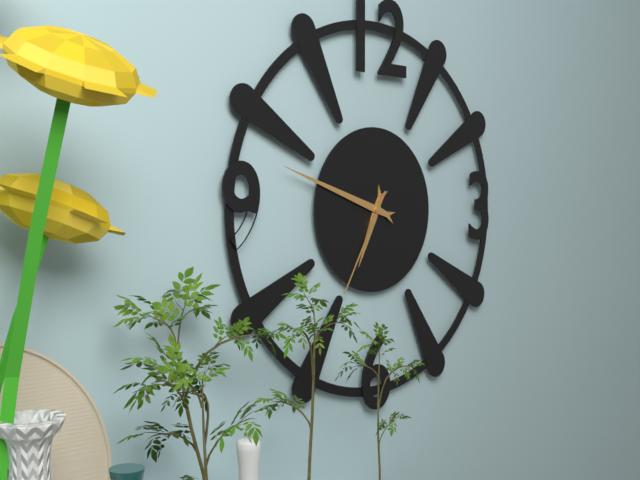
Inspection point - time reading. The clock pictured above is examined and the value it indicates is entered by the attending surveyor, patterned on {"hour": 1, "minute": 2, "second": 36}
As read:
{"hour": 6, "minute": 48, "second": 35}
